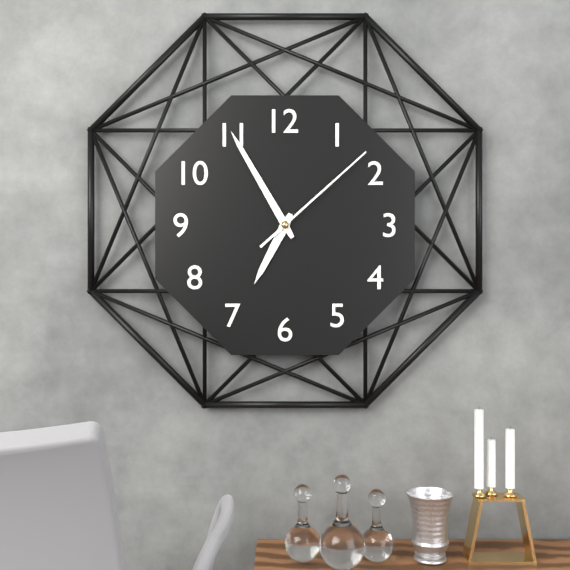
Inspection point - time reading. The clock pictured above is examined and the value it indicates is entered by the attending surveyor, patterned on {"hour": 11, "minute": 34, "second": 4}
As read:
{"hour": 6, "minute": 55, "second": 8}
